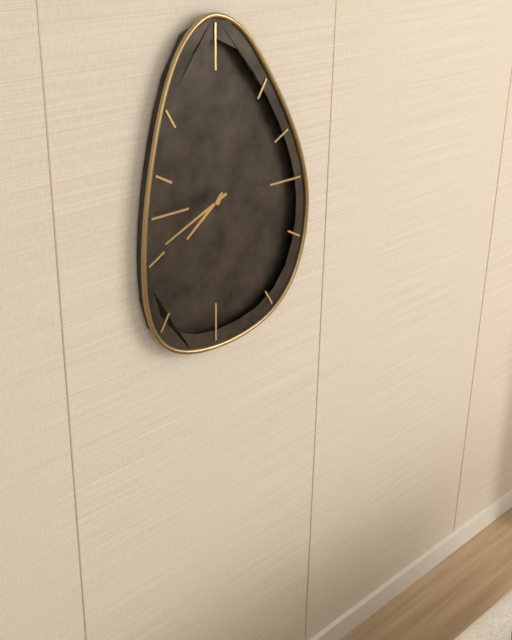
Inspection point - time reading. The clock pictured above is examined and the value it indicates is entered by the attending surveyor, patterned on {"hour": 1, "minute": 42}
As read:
{"hour": 7, "minute": 41}
